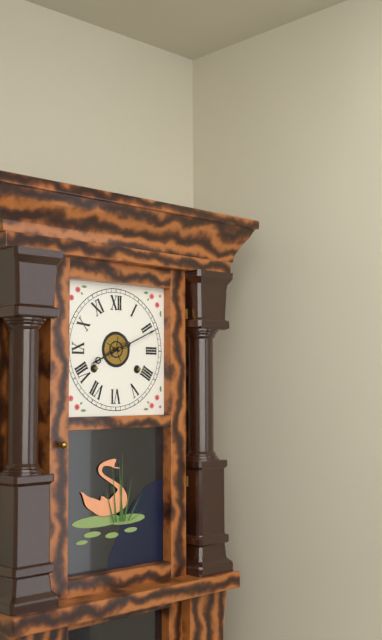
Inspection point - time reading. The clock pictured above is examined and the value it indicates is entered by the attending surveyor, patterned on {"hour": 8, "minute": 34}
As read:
{"hour": 8, "minute": 11}
